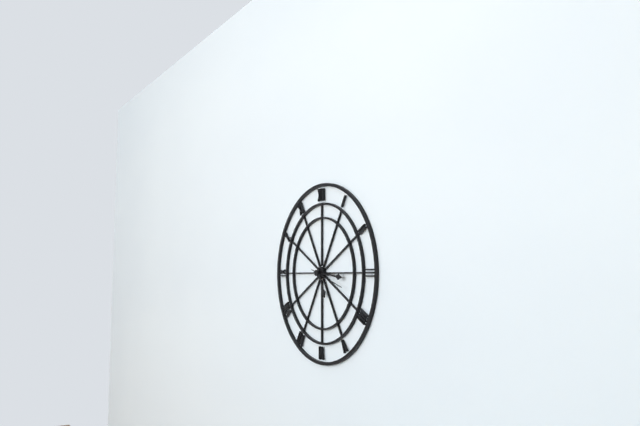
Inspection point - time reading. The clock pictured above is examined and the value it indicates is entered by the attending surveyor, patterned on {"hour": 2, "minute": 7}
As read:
{"hour": 5, "minute": 16}
